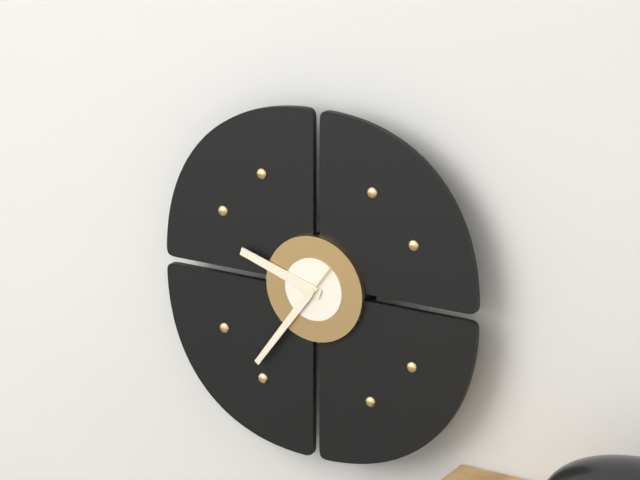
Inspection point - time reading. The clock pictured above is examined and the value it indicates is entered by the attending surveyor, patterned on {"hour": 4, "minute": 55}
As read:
{"hour": 9, "minute": 36}
